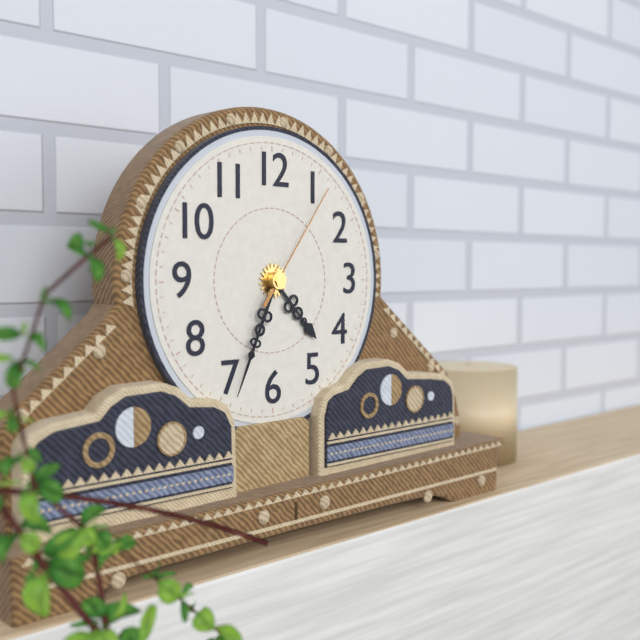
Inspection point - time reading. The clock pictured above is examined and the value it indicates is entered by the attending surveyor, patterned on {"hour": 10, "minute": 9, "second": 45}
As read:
{"hour": 4, "minute": 34, "second": 6}
